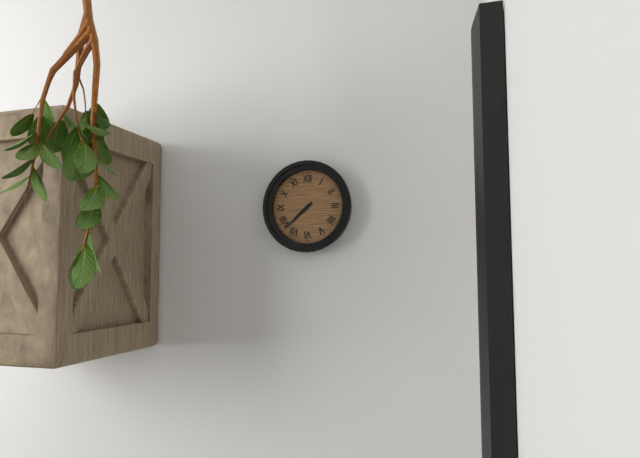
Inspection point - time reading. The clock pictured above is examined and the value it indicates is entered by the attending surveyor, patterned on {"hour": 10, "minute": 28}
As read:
{"hour": 7, "minute": 38}
